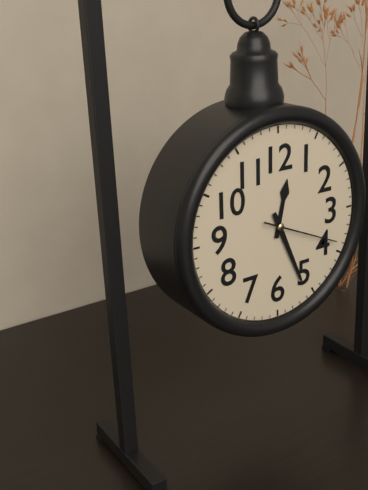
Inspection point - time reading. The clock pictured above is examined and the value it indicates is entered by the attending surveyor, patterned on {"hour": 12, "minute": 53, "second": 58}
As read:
{"hour": 12, "minute": 26, "second": 19}
